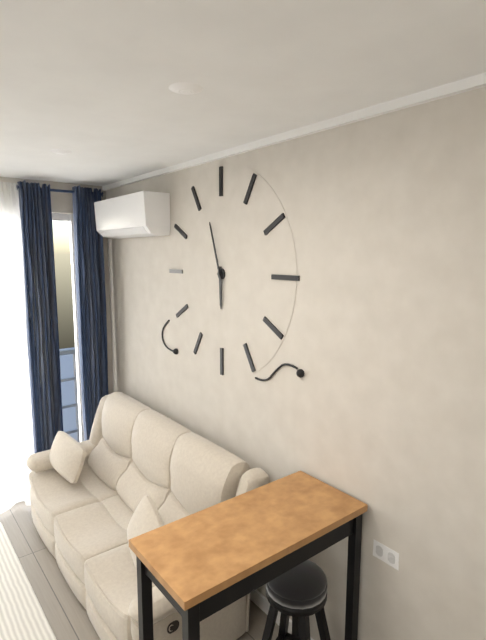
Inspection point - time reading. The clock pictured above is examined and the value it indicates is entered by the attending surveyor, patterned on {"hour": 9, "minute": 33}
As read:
{"hour": 5, "minute": 57}
